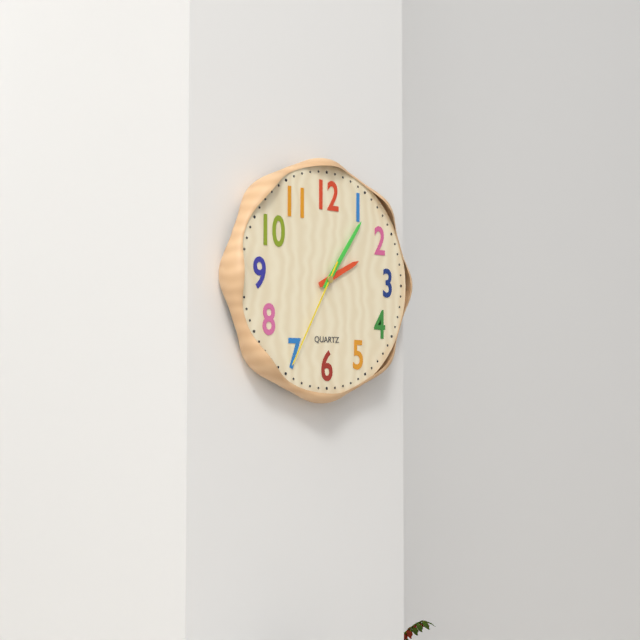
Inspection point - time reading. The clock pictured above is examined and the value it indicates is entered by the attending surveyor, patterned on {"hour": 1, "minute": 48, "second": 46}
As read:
{"hour": 2, "minute": 6, "second": 35}
